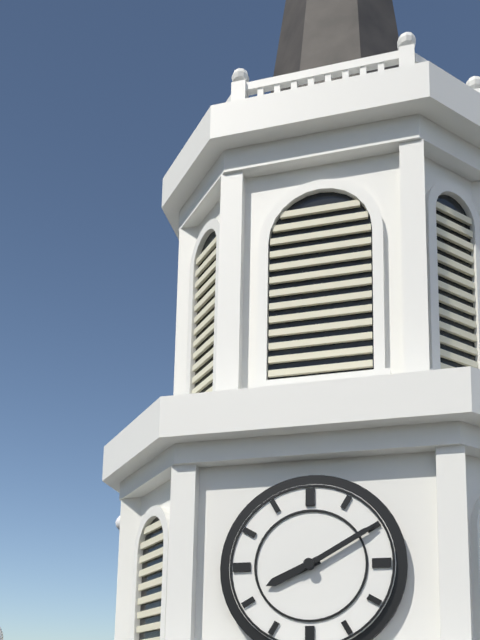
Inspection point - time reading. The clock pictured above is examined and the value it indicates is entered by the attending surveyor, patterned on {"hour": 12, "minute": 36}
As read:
{"hour": 8, "minute": 10}
